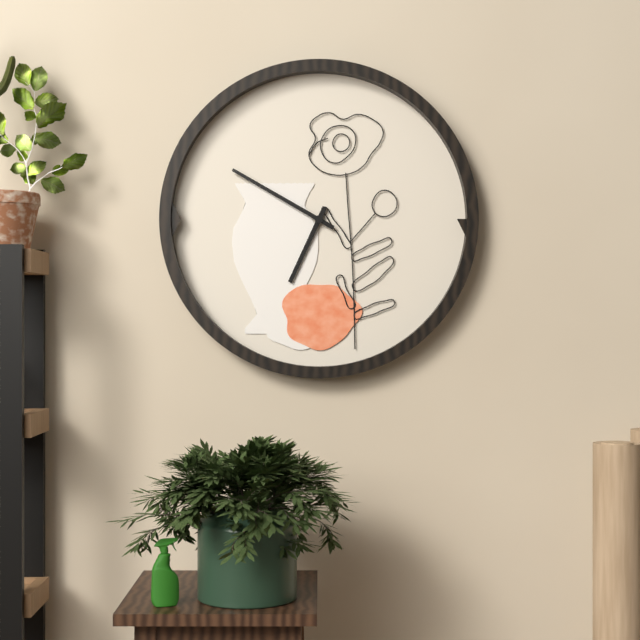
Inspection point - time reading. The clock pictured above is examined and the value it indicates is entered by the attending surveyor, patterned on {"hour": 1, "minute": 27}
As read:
{"hour": 6, "minute": 50}
